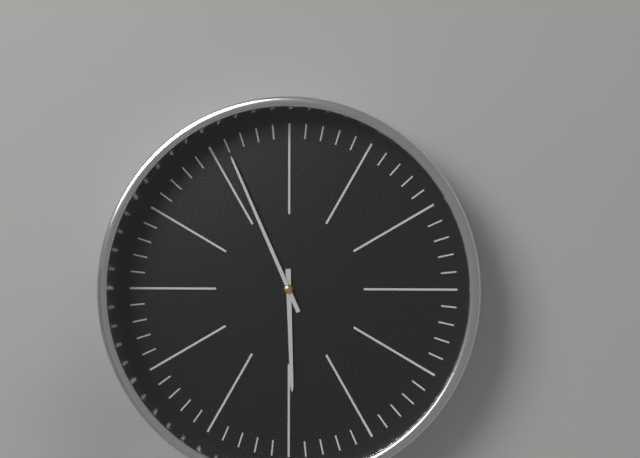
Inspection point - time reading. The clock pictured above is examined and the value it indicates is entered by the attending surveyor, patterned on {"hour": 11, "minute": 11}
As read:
{"hour": 5, "minute": 56}
